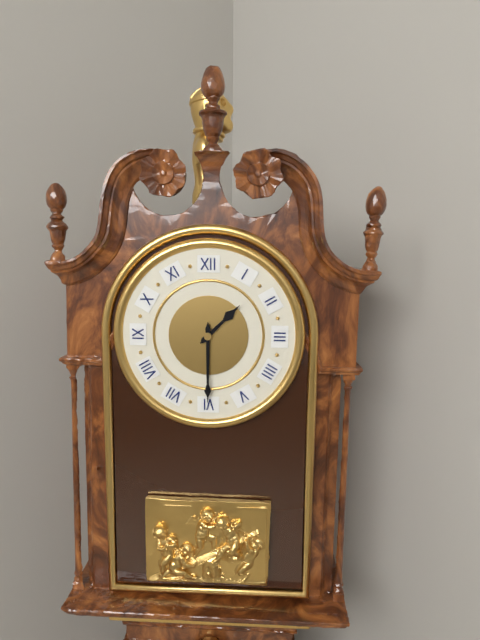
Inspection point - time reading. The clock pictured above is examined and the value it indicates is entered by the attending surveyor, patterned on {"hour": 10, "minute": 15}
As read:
{"hour": 1, "minute": 30}
